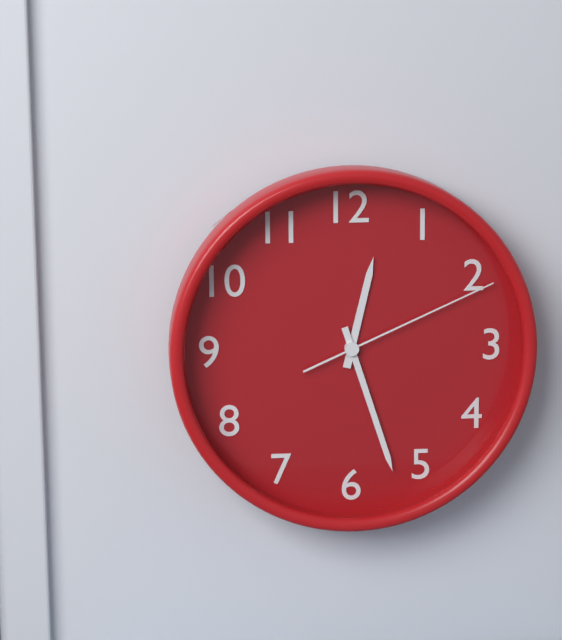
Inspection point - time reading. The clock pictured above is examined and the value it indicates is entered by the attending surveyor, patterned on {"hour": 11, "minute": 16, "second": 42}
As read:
{"hour": 12, "minute": 27, "second": 11}
